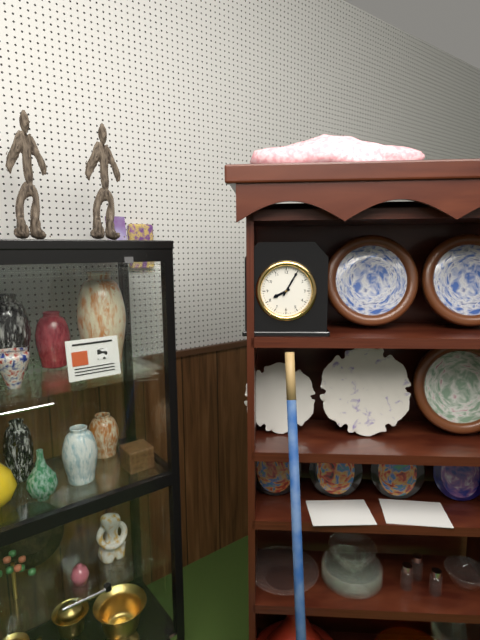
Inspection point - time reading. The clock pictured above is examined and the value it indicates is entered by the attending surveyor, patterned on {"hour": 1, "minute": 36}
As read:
{"hour": 8, "minute": 5}
